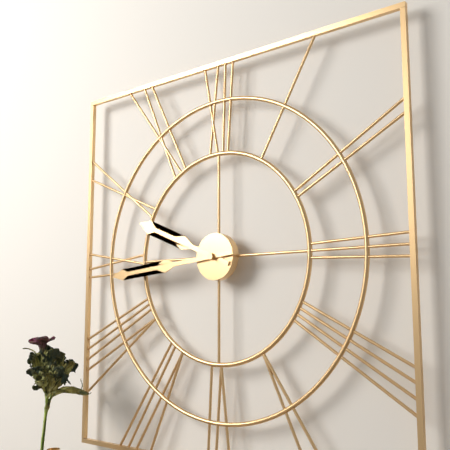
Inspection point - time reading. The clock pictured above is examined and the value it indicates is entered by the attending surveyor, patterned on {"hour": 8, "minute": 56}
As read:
{"hour": 9, "minute": 44}
